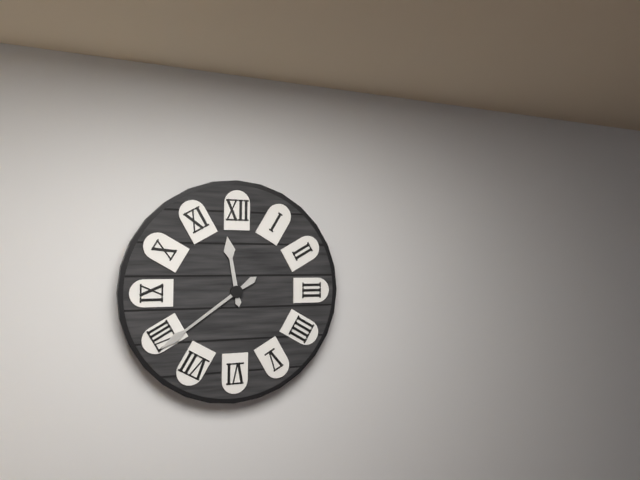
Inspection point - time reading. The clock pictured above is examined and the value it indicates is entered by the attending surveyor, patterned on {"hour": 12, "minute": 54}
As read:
{"hour": 11, "minute": 39}
